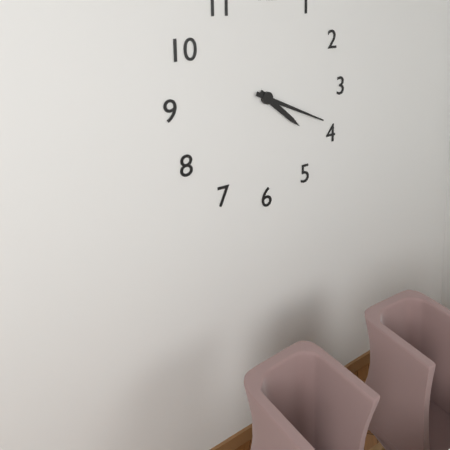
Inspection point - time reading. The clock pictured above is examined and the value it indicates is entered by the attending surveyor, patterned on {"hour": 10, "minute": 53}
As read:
{"hour": 4, "minute": 19}
